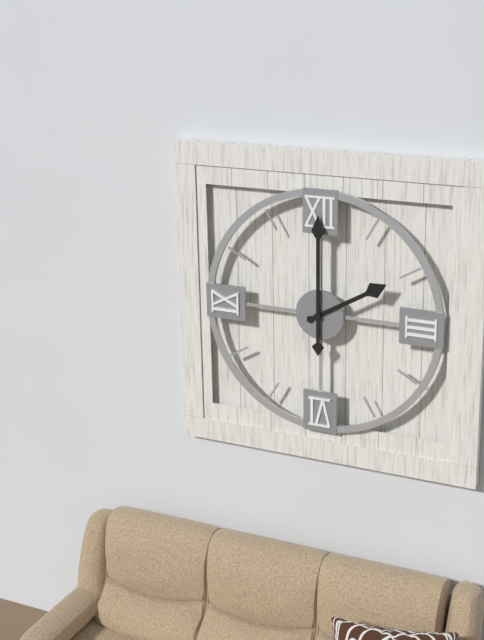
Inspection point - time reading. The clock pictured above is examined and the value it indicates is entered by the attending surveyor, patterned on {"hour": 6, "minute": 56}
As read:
{"hour": 2, "minute": 0}
